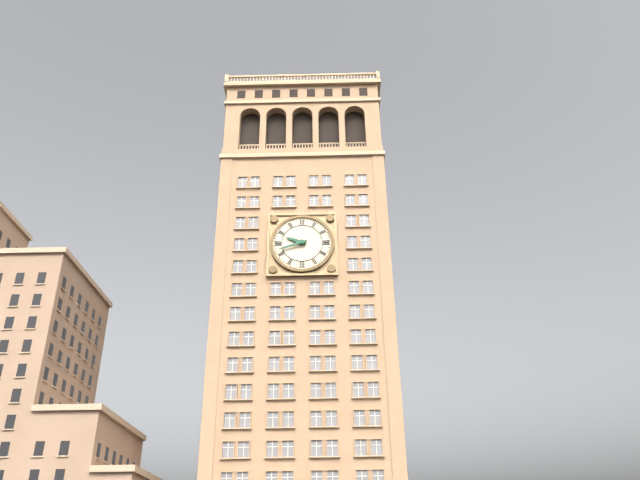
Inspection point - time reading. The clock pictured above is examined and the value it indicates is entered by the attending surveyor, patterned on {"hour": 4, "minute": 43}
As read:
{"hour": 9, "minute": 42}
